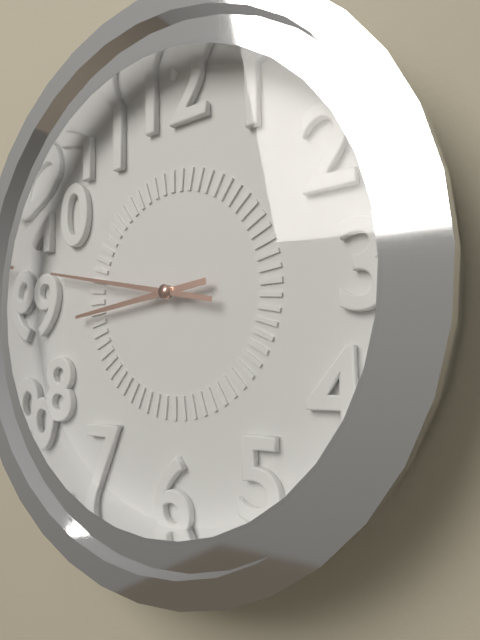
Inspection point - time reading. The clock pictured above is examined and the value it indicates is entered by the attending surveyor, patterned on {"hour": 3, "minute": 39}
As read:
{"hour": 8, "minute": 47}
